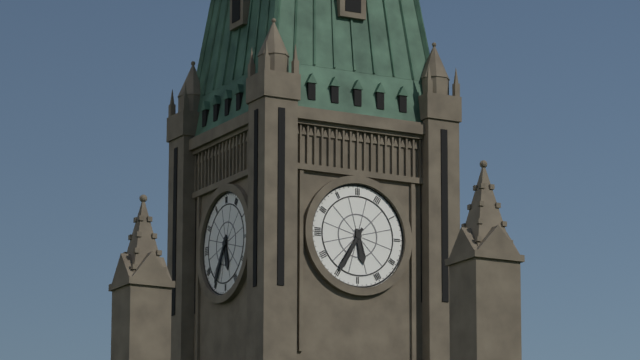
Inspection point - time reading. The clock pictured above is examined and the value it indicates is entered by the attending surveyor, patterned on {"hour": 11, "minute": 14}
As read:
{"hour": 5, "minute": 35}
